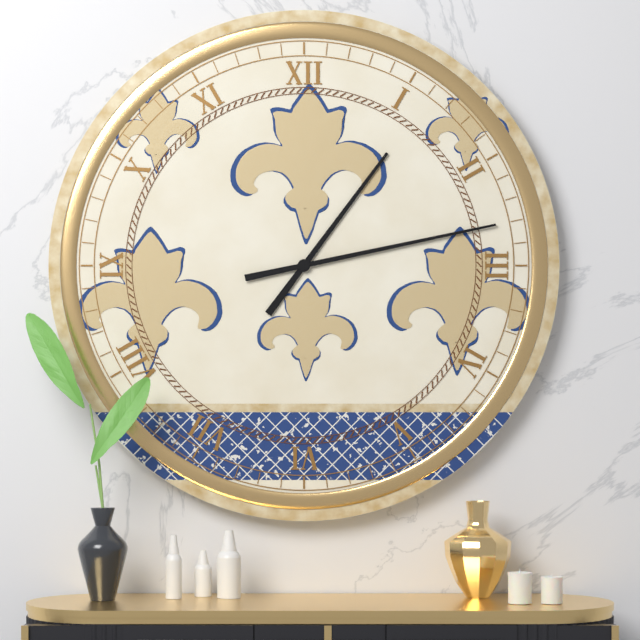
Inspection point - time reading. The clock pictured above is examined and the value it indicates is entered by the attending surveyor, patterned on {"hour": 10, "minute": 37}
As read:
{"hour": 1, "minute": 13}
